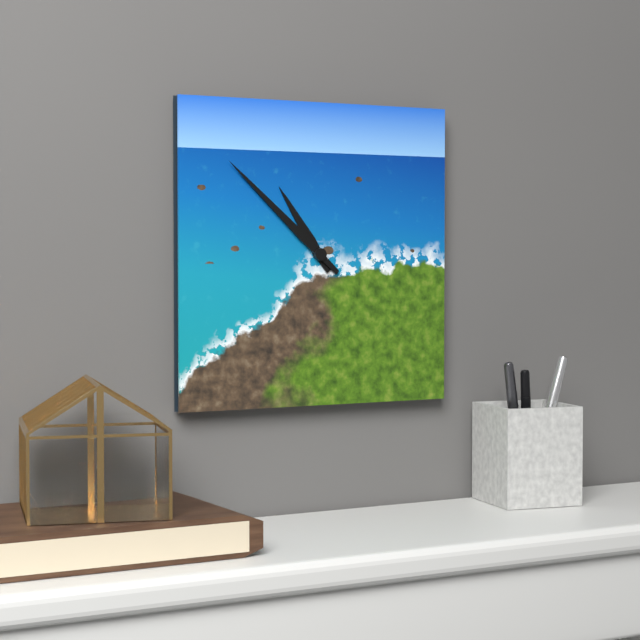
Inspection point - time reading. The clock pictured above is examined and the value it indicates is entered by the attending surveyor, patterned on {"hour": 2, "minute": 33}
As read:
{"hour": 10, "minute": 52}
